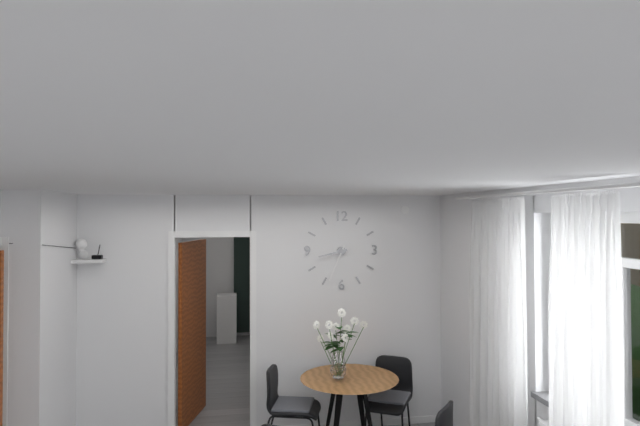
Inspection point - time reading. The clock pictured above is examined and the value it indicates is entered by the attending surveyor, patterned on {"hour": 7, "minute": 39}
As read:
{"hour": 8, "minute": 34}
